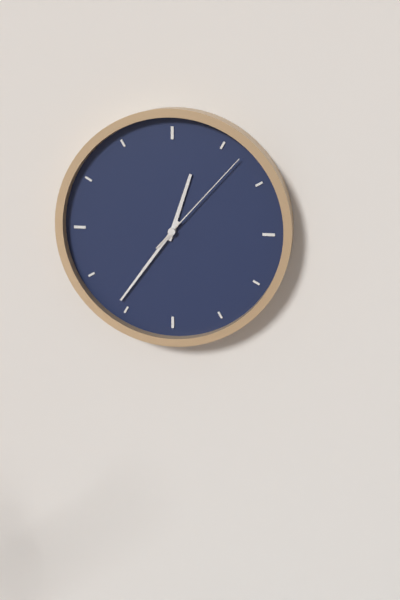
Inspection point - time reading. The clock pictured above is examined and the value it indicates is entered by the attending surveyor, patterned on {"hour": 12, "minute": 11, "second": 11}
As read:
{"hour": 12, "minute": 36, "second": 7}
